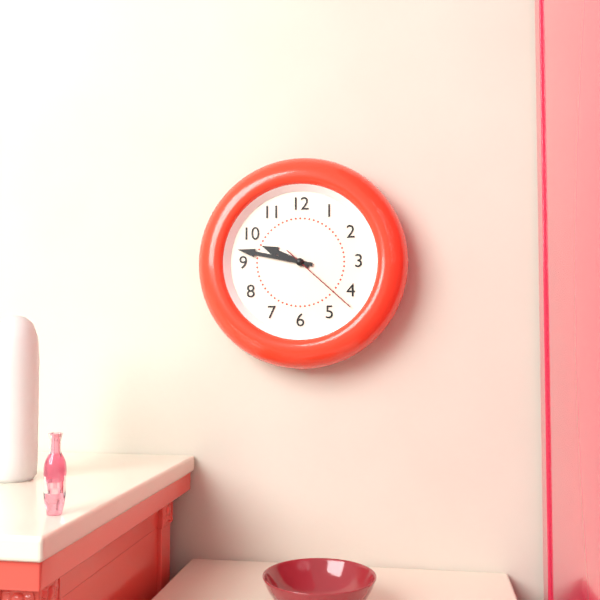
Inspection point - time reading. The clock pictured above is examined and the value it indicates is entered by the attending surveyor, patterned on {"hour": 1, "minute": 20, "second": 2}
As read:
{"hour": 9, "minute": 47, "second": 22}
